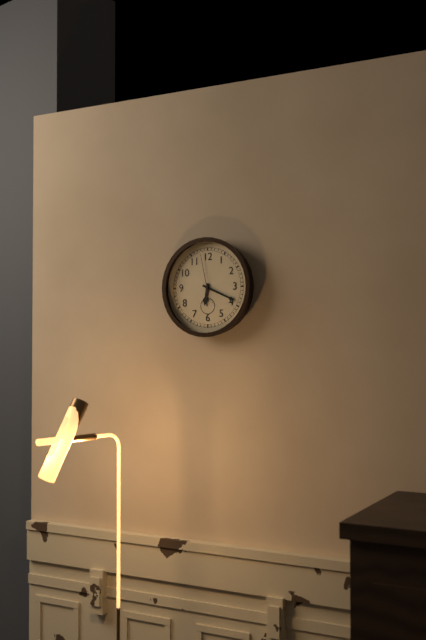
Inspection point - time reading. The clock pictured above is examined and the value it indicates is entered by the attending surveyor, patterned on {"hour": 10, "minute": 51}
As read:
{"hour": 6, "minute": 19}
